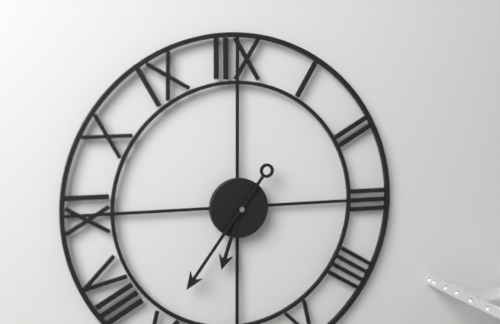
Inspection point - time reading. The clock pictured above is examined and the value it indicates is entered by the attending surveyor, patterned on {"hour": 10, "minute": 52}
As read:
{"hour": 6, "minute": 36}
